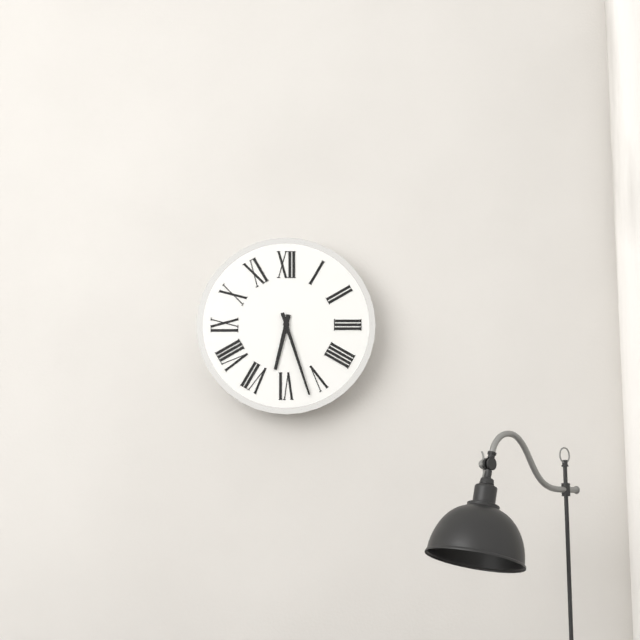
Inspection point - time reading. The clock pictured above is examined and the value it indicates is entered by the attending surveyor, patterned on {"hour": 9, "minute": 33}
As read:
{"hour": 6, "minute": 27}
